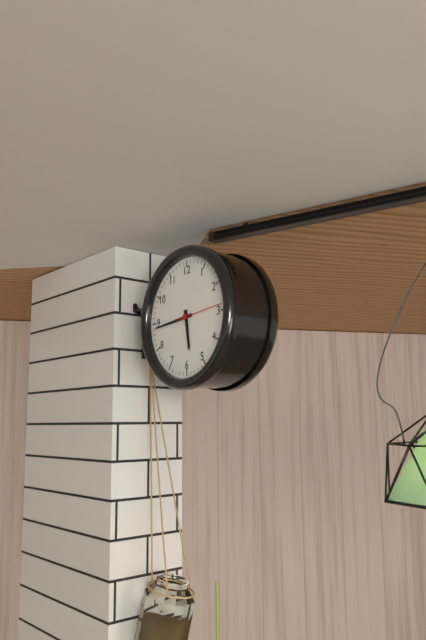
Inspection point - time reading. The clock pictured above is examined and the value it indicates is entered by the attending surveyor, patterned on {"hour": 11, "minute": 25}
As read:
{"hour": 5, "minute": 44}
